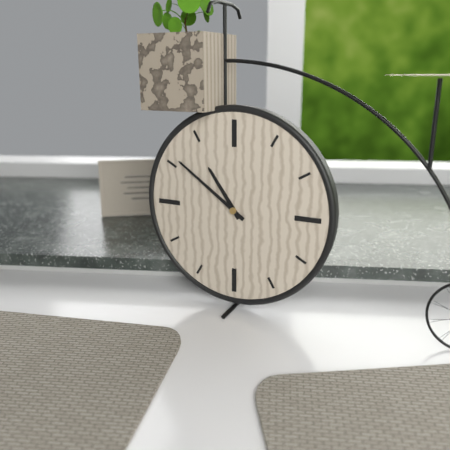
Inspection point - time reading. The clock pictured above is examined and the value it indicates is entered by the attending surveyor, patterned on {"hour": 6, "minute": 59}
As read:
{"hour": 10, "minute": 51}
